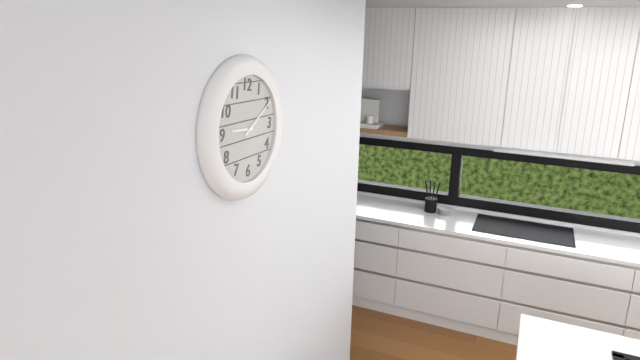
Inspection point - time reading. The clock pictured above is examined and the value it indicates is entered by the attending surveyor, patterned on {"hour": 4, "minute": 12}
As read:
{"hour": 9, "minute": 10}
